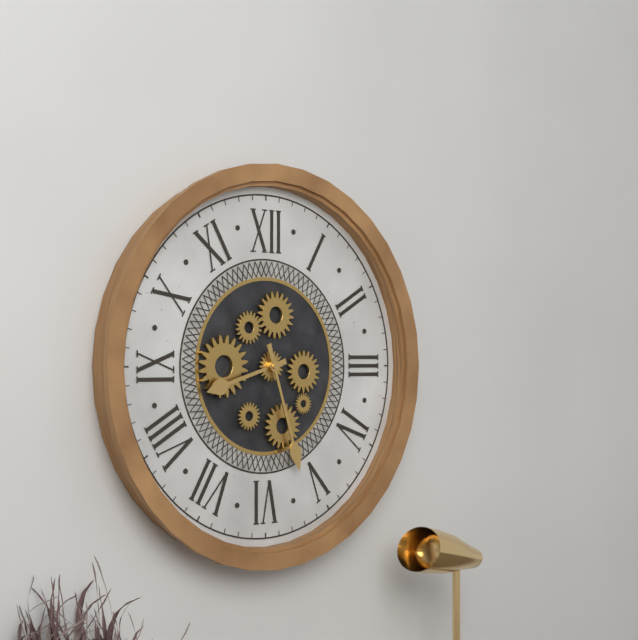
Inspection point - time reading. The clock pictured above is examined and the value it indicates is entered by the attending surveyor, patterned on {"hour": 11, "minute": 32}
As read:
{"hour": 8, "minute": 27}
